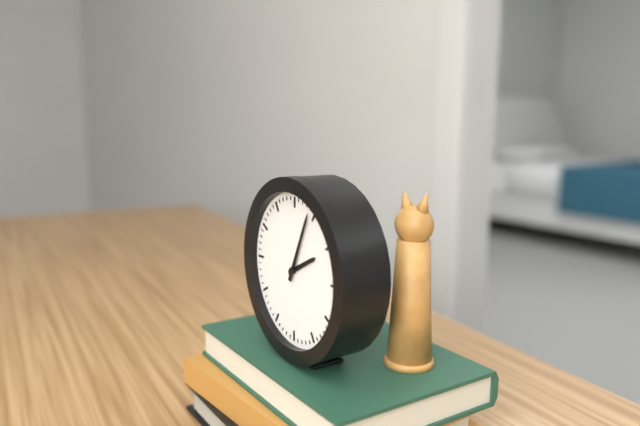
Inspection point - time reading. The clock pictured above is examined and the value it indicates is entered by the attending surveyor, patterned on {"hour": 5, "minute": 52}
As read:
{"hour": 2, "minute": 4}
